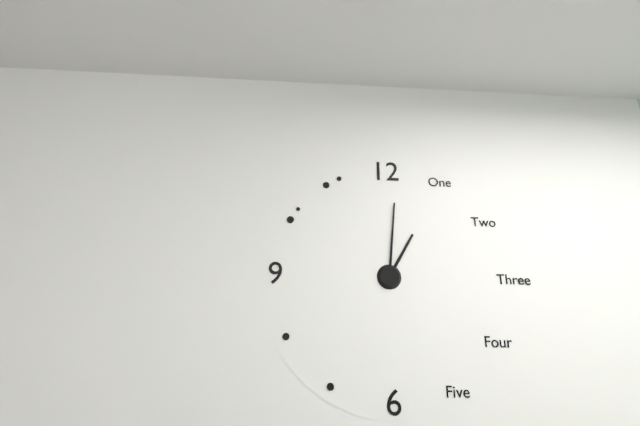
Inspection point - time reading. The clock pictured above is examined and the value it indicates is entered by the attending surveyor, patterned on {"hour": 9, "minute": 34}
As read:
{"hour": 1, "minute": 1}
